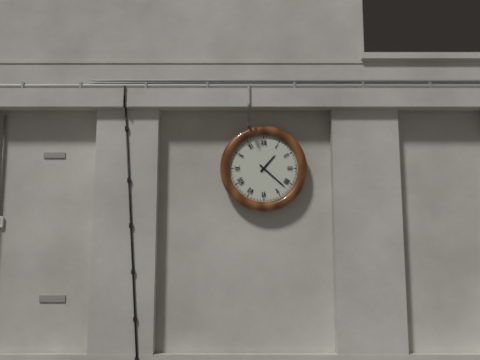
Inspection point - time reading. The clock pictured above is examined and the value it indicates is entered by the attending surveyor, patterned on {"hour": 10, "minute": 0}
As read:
{"hour": 1, "minute": 22}
